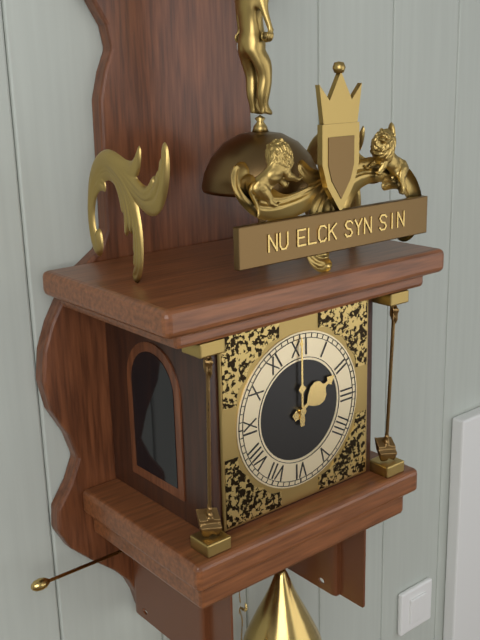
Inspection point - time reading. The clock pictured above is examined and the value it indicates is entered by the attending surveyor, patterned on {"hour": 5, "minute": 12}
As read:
{"hour": 2, "minute": 0}
